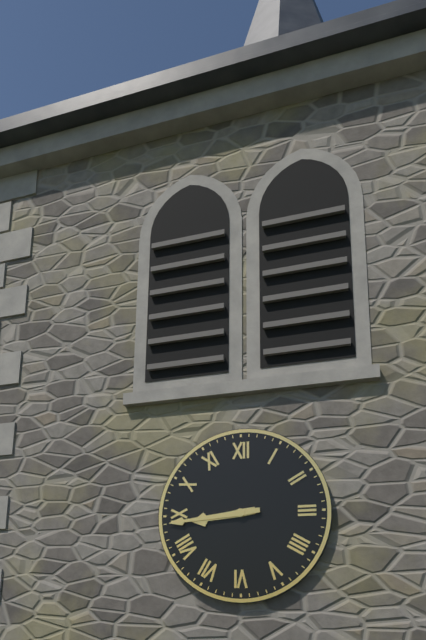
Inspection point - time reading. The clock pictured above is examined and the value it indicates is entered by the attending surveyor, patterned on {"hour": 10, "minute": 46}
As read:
{"hour": 8, "minute": 44}
